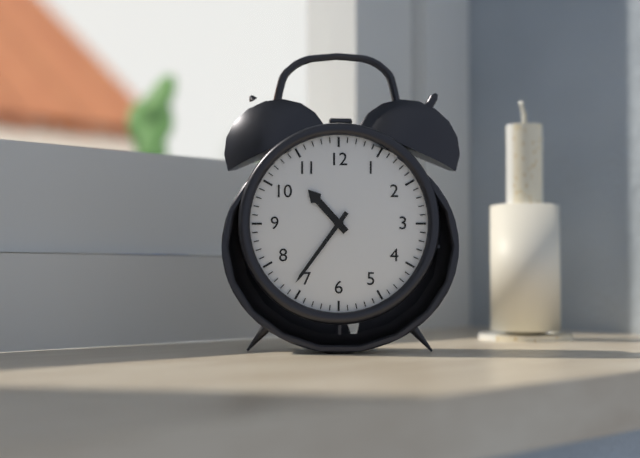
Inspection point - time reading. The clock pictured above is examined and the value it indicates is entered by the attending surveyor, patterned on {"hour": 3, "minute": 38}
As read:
{"hour": 10, "minute": 36}
